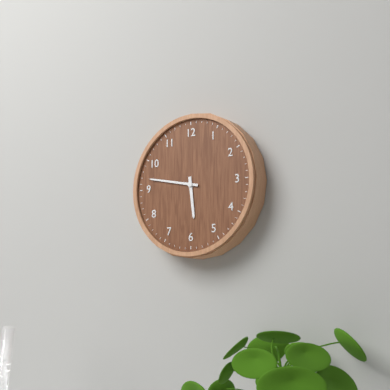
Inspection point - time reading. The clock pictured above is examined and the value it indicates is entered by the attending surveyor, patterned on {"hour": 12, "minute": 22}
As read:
{"hour": 5, "minute": 47}
